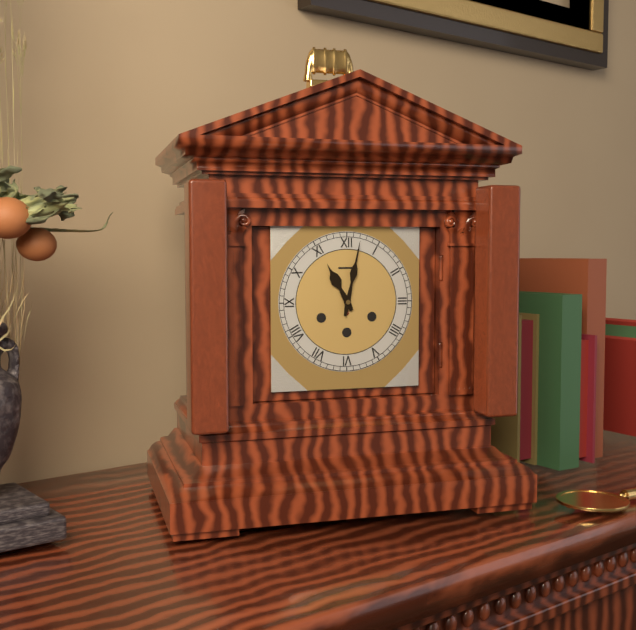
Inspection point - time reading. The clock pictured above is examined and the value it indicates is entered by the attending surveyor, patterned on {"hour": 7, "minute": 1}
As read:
{"hour": 11, "minute": 2}
